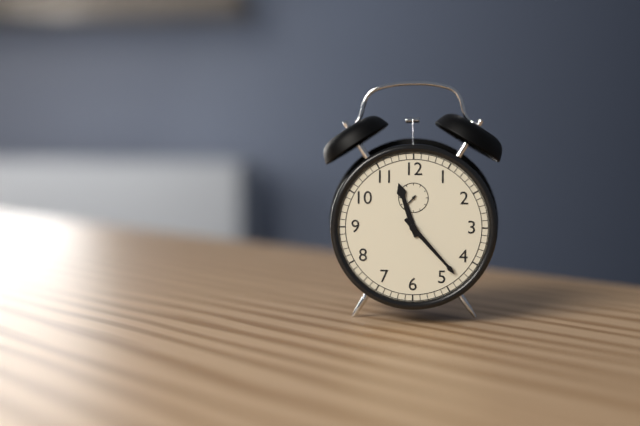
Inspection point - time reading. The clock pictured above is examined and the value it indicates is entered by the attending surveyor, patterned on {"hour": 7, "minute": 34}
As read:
{"hour": 11, "minute": 23}
